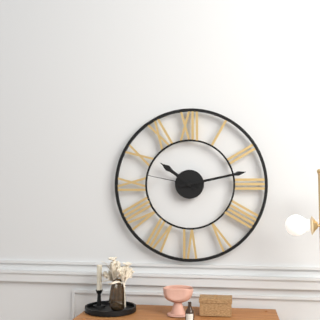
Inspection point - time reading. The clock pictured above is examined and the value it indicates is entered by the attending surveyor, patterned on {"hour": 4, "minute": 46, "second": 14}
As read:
{"hour": 10, "minute": 13, "second": 47}
